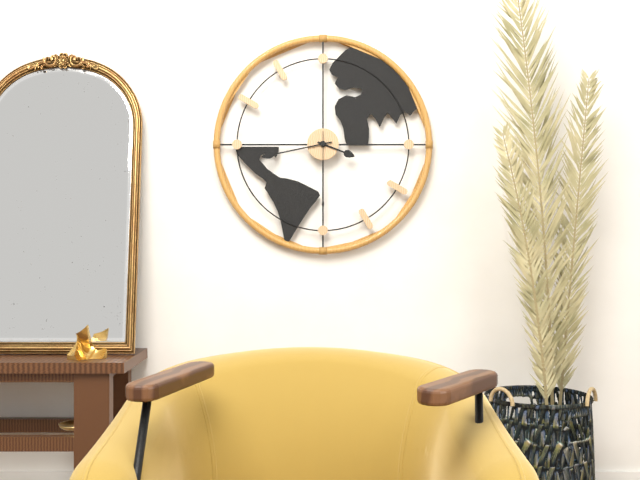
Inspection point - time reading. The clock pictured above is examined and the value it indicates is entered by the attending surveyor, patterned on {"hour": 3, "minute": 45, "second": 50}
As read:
{"hour": 3, "minute": 43, "second": 30}
